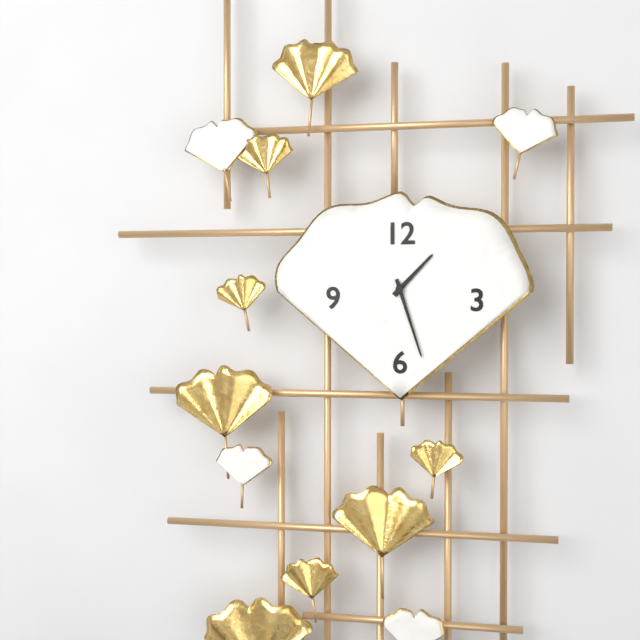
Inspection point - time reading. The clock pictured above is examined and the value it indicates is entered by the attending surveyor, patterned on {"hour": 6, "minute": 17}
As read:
{"hour": 1, "minute": 27}
